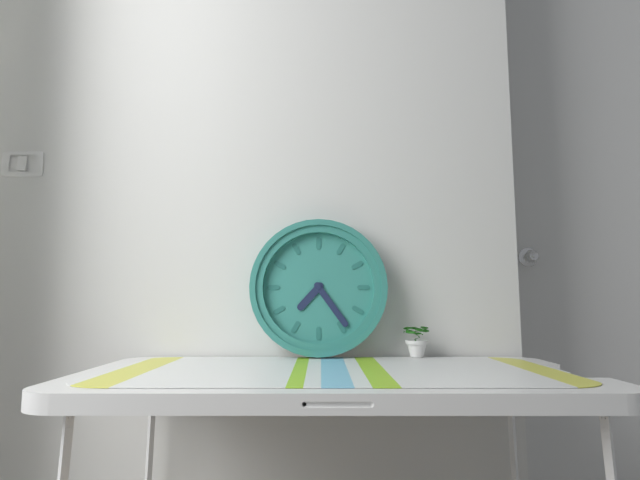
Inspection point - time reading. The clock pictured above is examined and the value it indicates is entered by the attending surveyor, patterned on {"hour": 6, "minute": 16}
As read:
{"hour": 7, "minute": 24}
